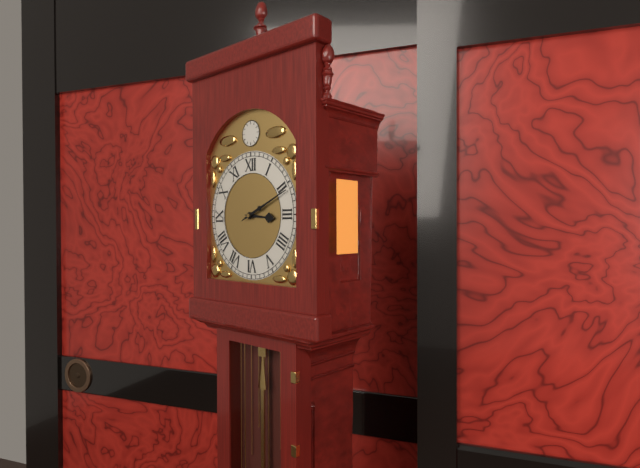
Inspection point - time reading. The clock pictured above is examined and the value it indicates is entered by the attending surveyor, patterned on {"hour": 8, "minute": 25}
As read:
{"hour": 3, "minute": 11}
